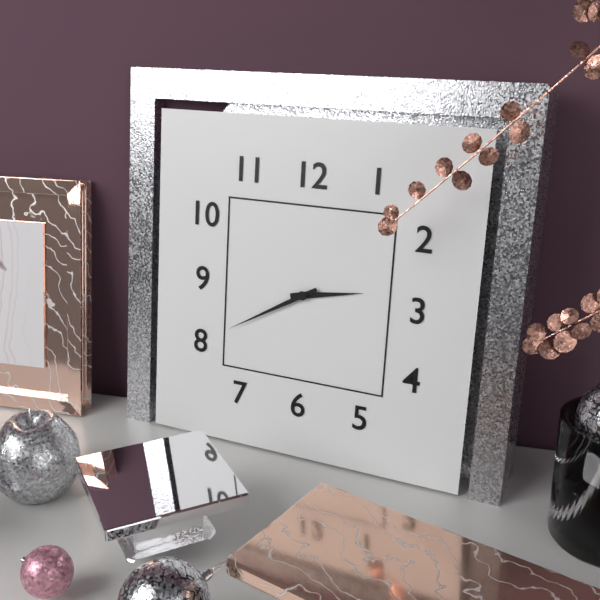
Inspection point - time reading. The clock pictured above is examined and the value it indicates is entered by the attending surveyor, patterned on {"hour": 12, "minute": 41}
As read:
{"hour": 2, "minute": 40}
